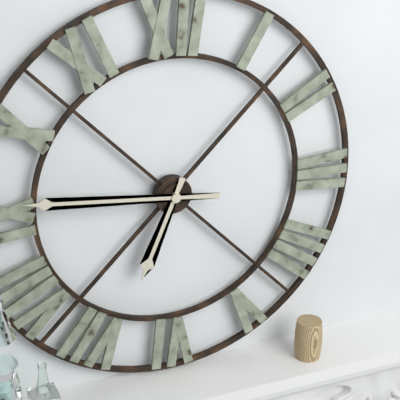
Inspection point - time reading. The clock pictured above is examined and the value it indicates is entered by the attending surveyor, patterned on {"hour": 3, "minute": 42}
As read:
{"hour": 6, "minute": 46}
